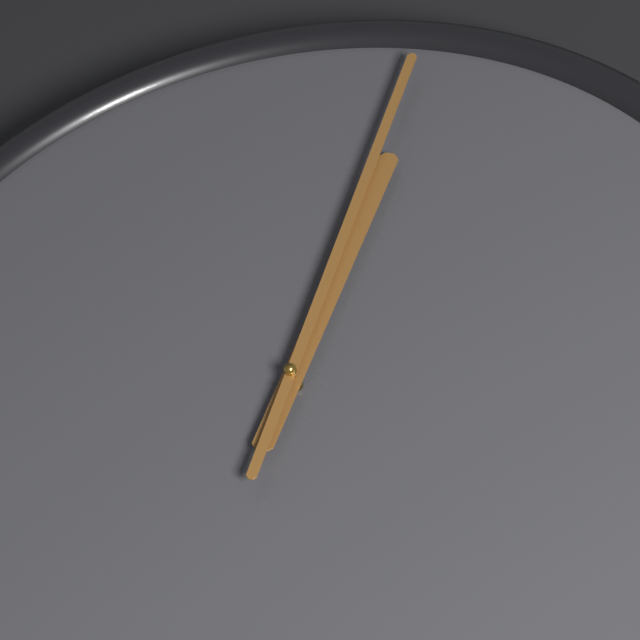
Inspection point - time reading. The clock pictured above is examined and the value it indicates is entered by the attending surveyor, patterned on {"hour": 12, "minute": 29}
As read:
{"hour": 1, "minute": 5}
